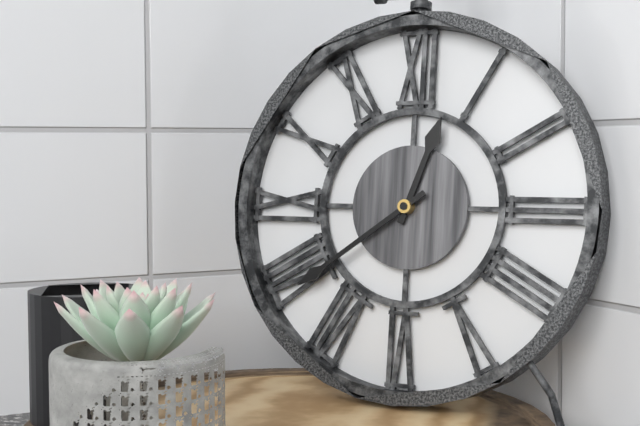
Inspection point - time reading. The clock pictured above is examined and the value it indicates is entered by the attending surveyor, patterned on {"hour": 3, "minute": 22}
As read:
{"hour": 12, "minute": 39}
